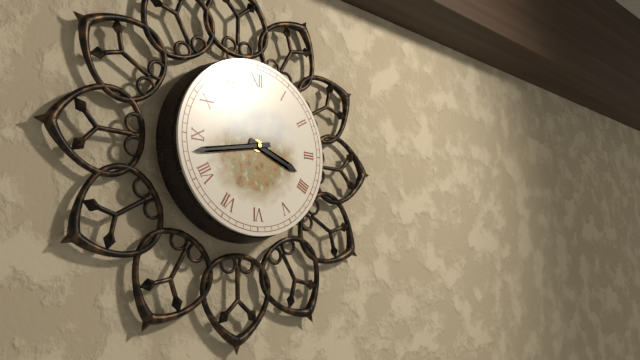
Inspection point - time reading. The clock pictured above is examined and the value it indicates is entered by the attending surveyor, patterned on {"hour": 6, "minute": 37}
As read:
{"hour": 3, "minute": 43}
